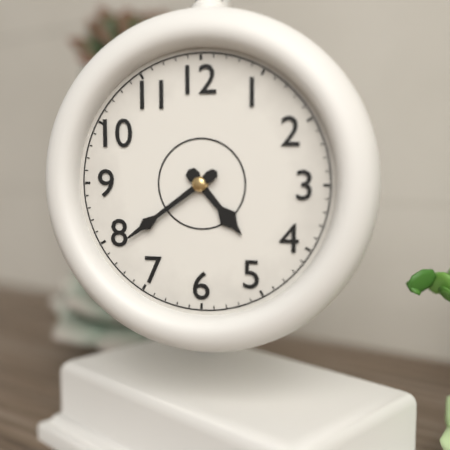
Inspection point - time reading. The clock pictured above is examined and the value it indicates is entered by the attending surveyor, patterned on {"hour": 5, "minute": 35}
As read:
{"hour": 4, "minute": 39}
